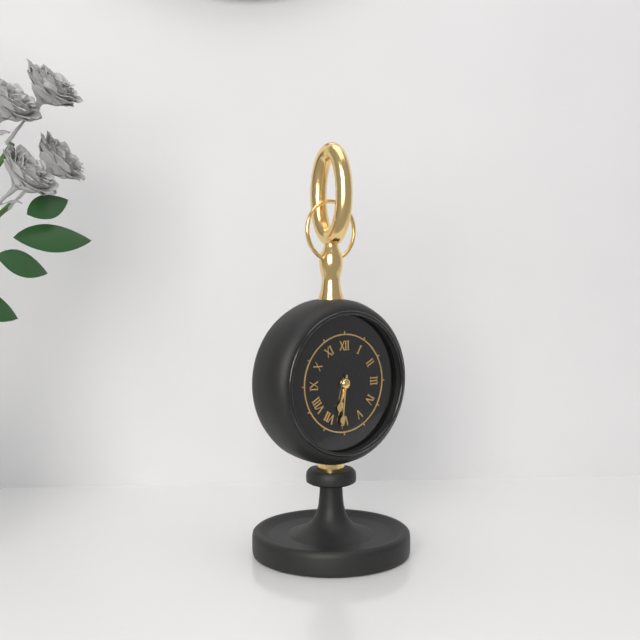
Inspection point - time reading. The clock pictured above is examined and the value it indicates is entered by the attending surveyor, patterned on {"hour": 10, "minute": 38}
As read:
{"hour": 6, "minute": 31}
